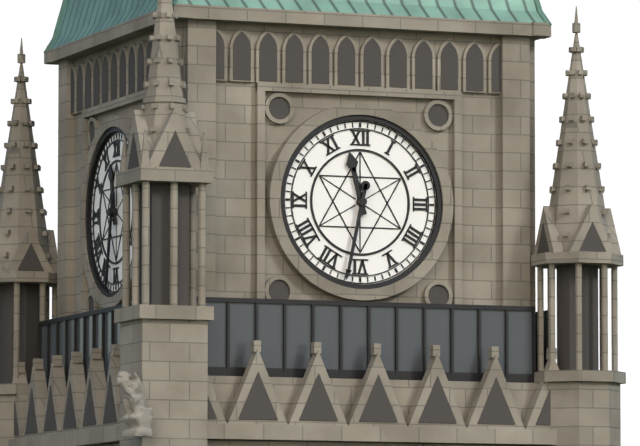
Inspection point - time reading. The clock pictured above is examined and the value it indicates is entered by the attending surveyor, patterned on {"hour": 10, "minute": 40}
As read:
{"hour": 11, "minute": 32}
